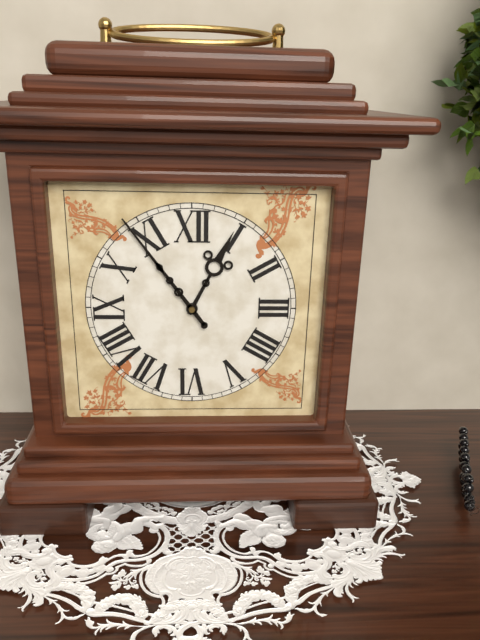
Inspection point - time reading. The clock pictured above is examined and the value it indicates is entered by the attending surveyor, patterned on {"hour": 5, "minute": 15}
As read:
{"hour": 12, "minute": 54}
